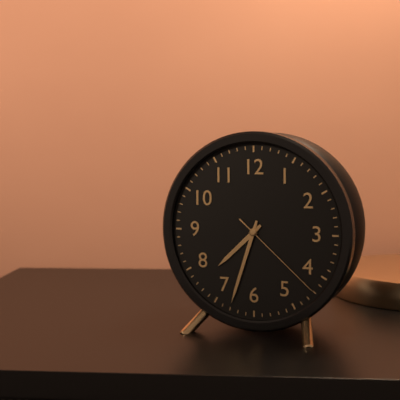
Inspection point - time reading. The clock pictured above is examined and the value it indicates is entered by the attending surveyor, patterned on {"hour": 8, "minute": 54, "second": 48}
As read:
{"hour": 7, "minute": 33, "second": 22}
